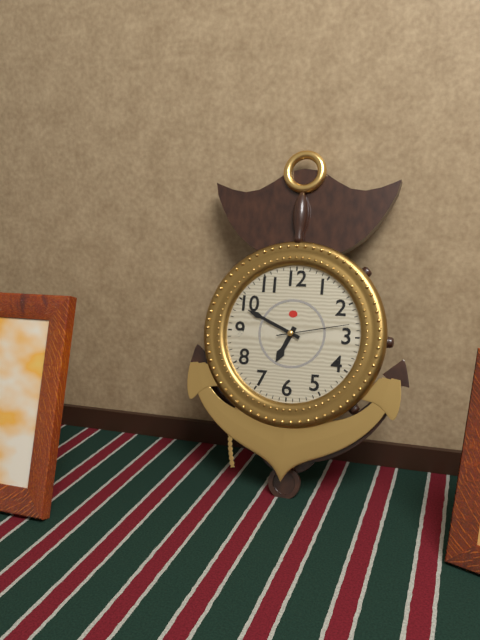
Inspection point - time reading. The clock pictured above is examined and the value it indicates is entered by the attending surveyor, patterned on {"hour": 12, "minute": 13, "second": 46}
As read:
{"hour": 6, "minute": 49, "second": 13}
